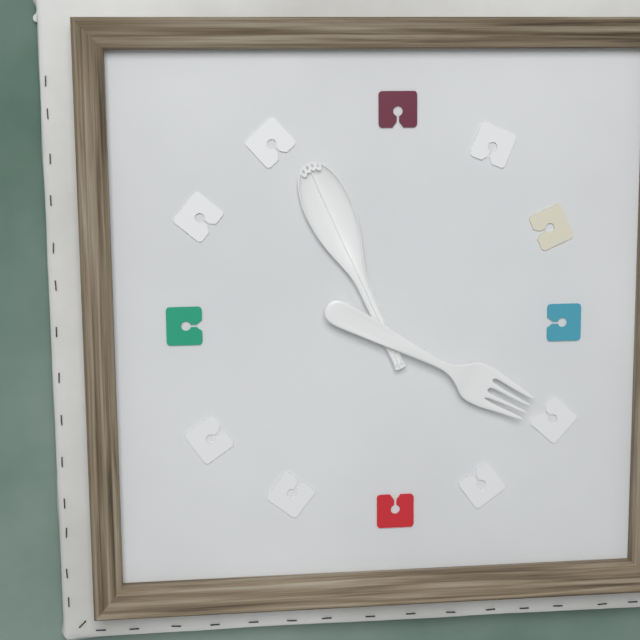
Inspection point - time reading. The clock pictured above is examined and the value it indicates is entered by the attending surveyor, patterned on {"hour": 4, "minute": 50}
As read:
{"hour": 3, "minute": 56}
